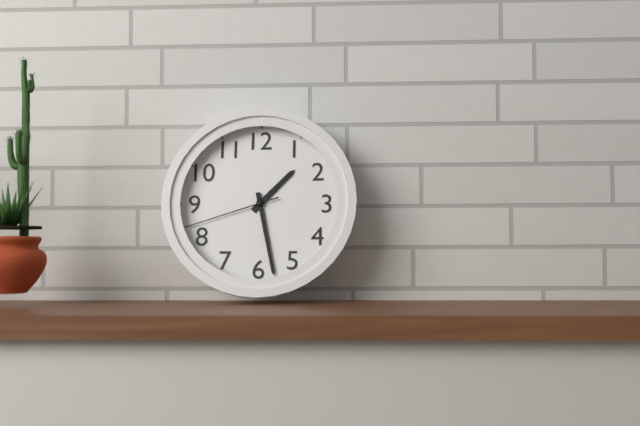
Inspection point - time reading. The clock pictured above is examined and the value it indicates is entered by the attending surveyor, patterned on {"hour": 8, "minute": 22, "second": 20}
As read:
{"hour": 1, "minute": 28, "second": 42}
